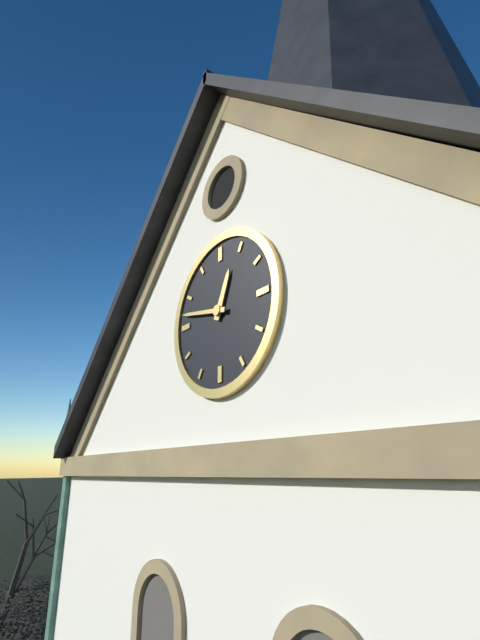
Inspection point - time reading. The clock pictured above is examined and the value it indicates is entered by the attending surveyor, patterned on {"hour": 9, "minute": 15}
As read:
{"hour": 12, "minute": 47}
